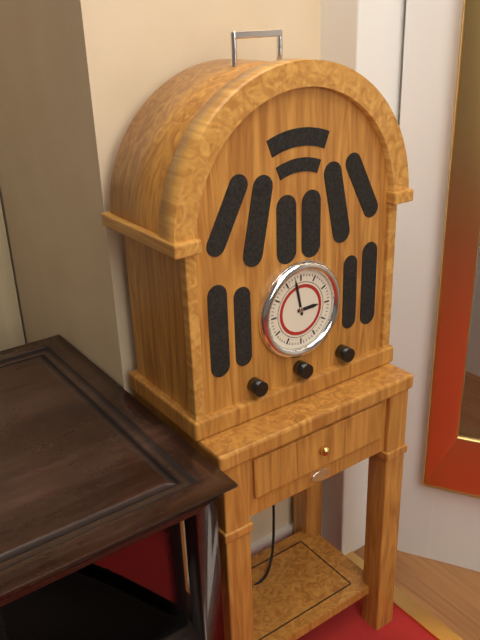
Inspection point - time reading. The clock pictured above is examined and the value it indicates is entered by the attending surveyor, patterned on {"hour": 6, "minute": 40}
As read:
{"hour": 2, "minute": 58}
